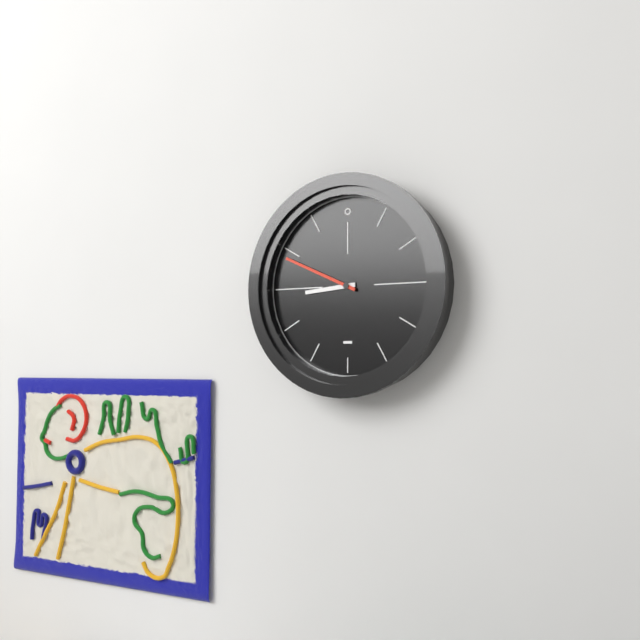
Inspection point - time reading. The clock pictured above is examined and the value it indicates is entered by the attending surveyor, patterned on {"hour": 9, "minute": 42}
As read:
{"hour": 8, "minute": 49}
